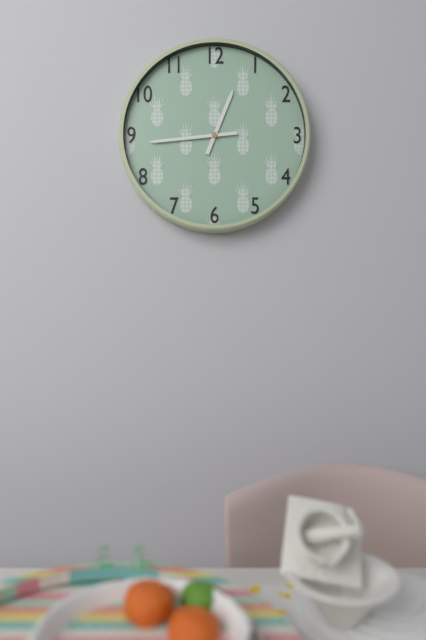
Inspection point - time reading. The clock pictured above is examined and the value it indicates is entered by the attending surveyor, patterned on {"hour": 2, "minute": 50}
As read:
{"hour": 12, "minute": 44}
